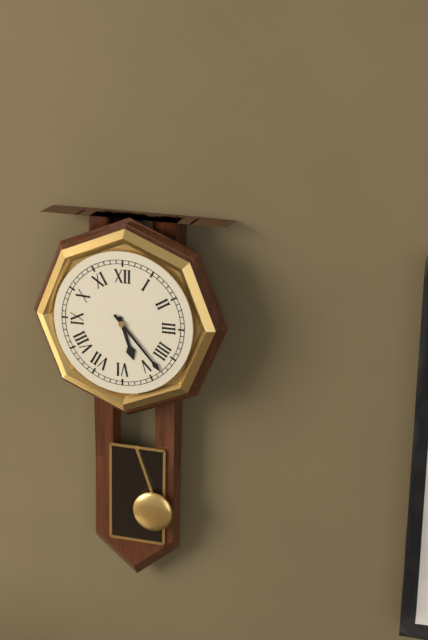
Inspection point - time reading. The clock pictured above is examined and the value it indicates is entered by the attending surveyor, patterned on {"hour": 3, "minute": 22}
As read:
{"hour": 5, "minute": 23}
